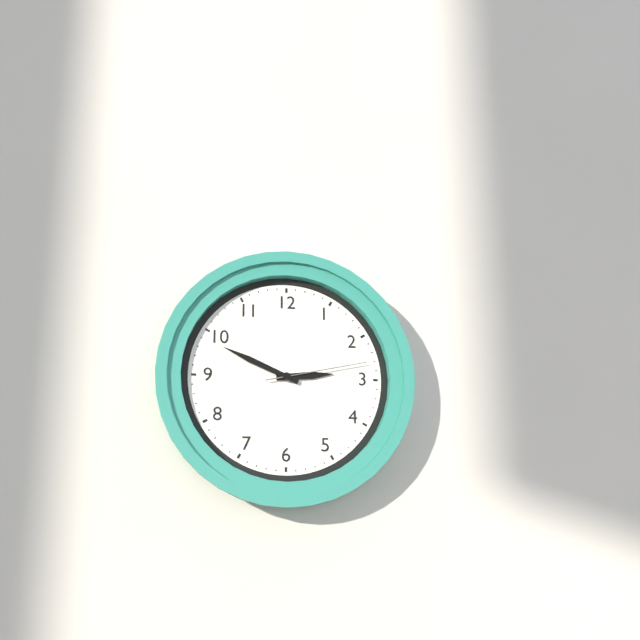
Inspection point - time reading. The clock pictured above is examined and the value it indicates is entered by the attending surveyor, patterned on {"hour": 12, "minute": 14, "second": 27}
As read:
{"hour": 2, "minute": 49, "second": 13}
